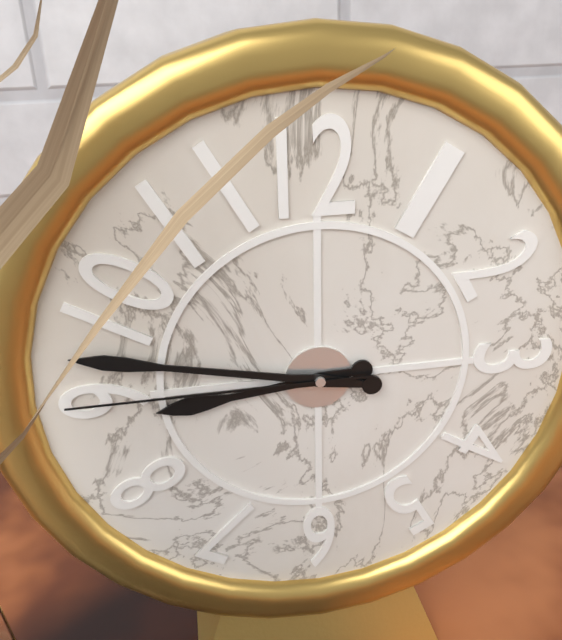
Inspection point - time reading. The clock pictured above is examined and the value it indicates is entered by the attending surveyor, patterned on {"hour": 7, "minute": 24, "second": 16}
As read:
{"hour": 8, "minute": 47, "second": 45}
